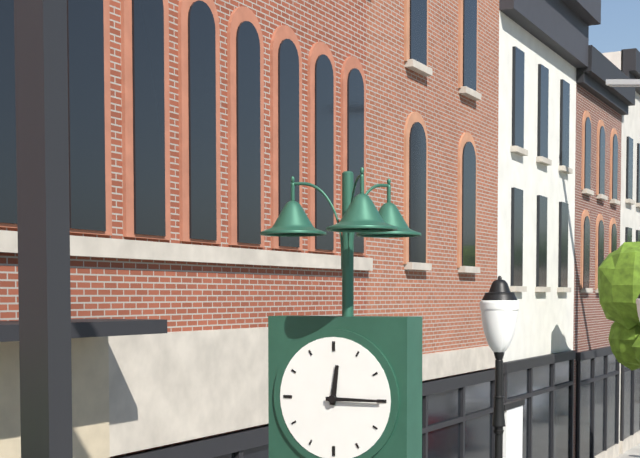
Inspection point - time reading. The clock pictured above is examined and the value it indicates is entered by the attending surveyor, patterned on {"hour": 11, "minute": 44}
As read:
{"hour": 12, "minute": 15}
